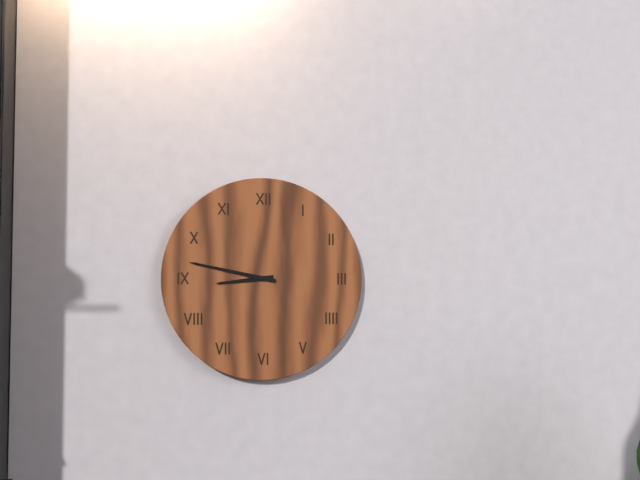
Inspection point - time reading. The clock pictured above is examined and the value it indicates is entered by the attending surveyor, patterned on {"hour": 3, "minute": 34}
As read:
{"hour": 8, "minute": 47}
